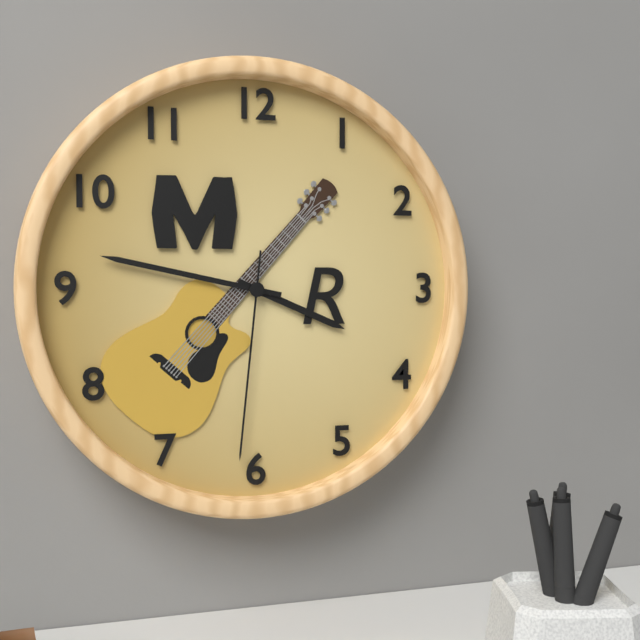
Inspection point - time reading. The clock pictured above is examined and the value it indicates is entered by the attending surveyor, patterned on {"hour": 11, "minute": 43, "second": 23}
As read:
{"hour": 3, "minute": 47, "second": 31}
